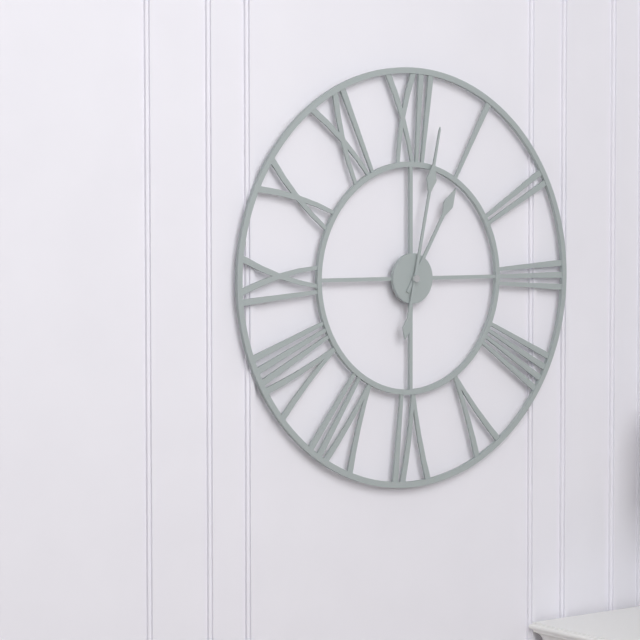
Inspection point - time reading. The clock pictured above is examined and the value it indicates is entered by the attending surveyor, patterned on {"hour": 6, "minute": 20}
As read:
{"hour": 1, "minute": 2}
